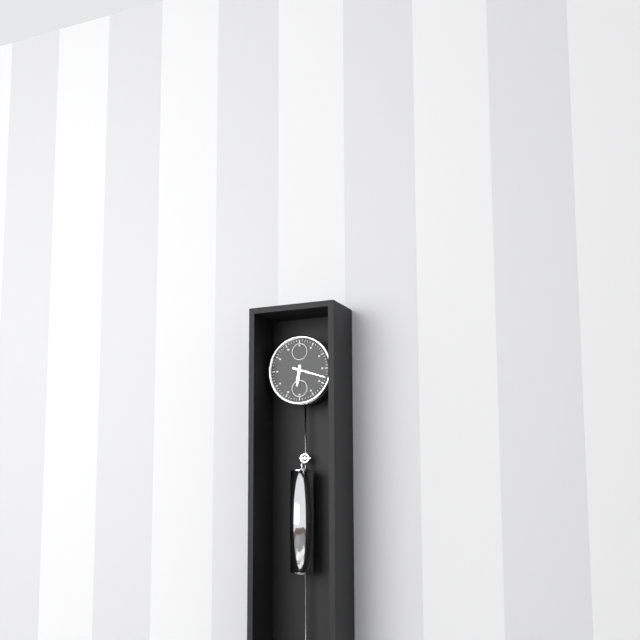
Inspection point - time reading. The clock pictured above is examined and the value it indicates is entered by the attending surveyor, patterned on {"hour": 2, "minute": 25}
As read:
{"hour": 6, "minute": 18}
